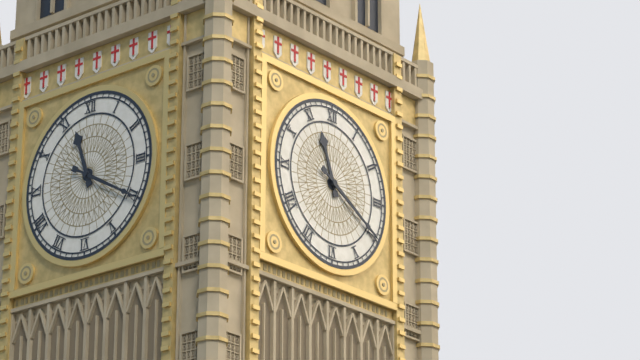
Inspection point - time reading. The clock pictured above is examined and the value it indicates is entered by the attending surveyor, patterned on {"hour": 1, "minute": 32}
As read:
{"hour": 11, "minute": 20}
